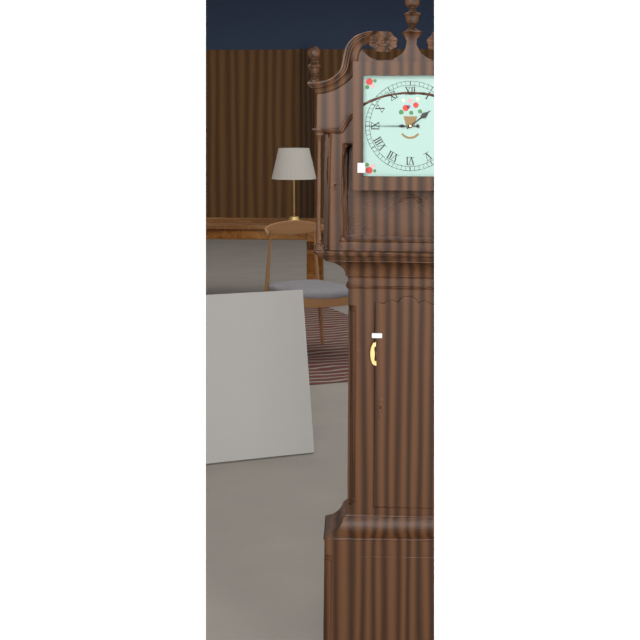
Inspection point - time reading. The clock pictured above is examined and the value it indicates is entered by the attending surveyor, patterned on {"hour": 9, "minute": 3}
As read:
{"hour": 1, "minute": 45}
